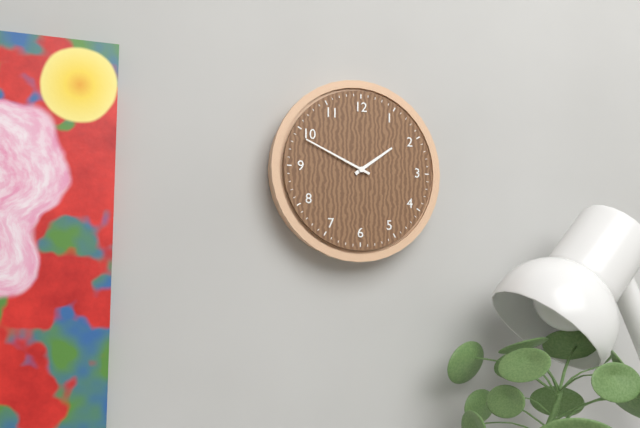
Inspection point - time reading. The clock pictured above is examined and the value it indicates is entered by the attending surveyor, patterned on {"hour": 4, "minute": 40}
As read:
{"hour": 1, "minute": 49}
